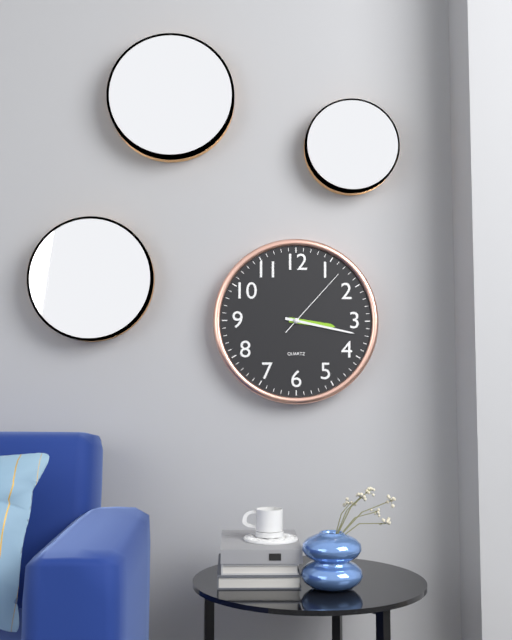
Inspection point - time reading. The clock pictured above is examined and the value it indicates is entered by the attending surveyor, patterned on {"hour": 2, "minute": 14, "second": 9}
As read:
{"hour": 3, "minute": 17, "second": 7}
